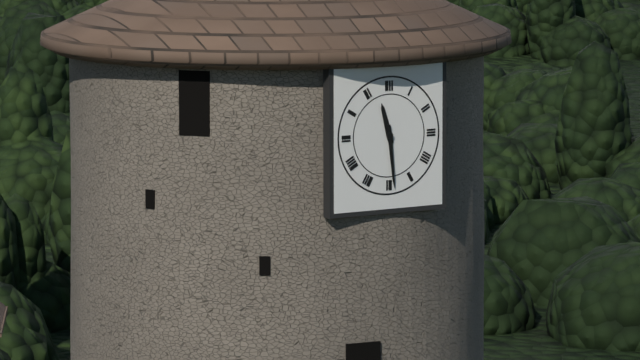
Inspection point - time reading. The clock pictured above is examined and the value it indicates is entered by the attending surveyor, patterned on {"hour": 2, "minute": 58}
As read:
{"hour": 11, "minute": 29}
